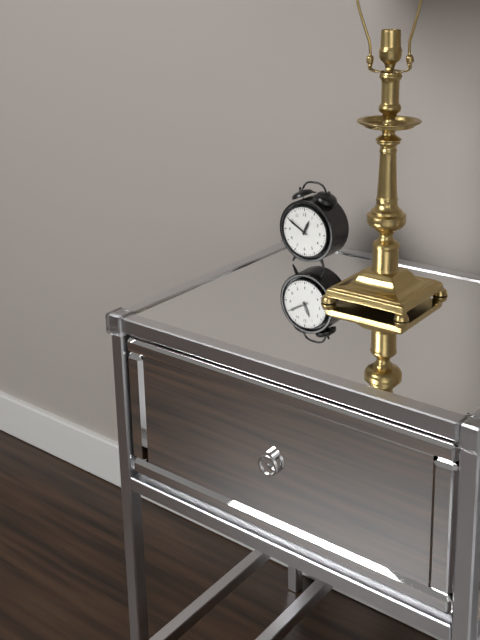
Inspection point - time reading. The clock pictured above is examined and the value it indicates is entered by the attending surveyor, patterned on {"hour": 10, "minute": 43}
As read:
{"hour": 12, "minute": 50}
